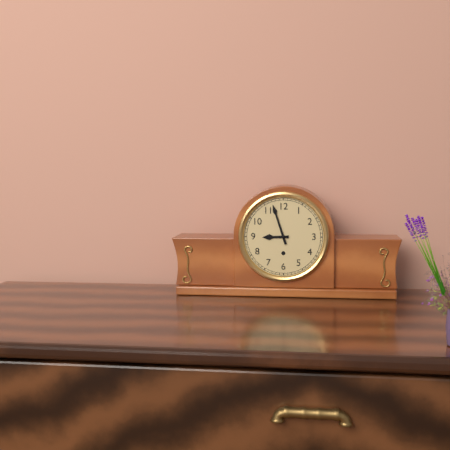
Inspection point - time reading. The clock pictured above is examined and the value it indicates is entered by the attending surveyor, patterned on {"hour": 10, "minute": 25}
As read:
{"hour": 8, "minute": 57}
